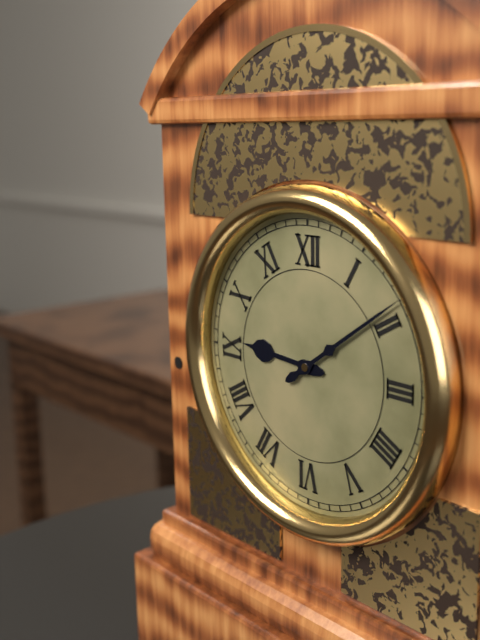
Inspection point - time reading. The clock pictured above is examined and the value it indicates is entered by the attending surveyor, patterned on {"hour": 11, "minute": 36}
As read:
{"hour": 9, "minute": 9}
